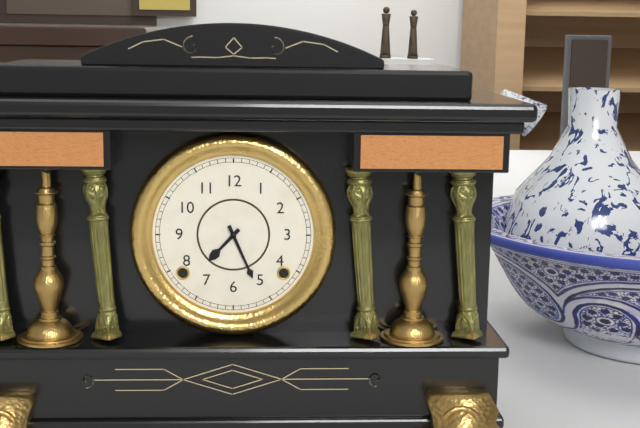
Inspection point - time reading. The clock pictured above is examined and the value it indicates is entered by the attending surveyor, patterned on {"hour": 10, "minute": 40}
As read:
{"hour": 7, "minute": 26}
